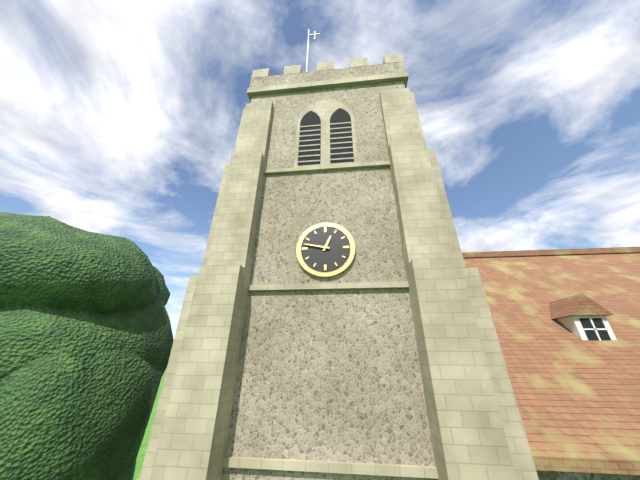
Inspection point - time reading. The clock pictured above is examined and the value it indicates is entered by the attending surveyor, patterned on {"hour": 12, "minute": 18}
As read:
{"hour": 12, "minute": 47}
